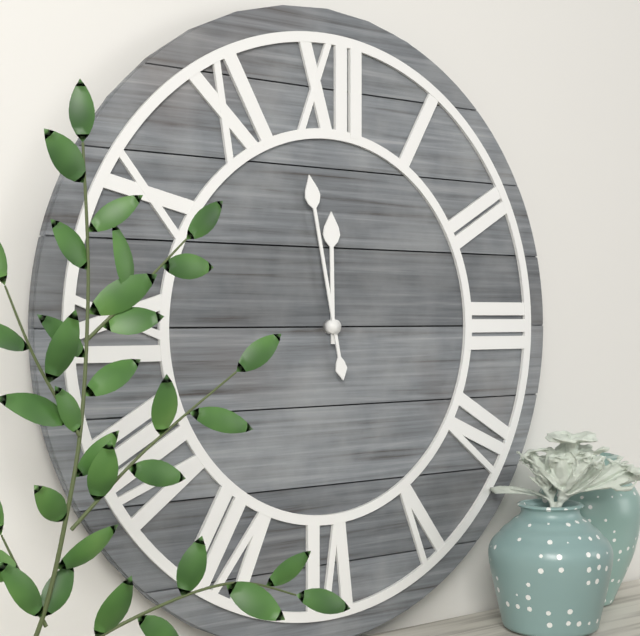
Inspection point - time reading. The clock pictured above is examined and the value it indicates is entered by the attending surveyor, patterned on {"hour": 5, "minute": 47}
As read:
{"hour": 11, "minute": 58}
